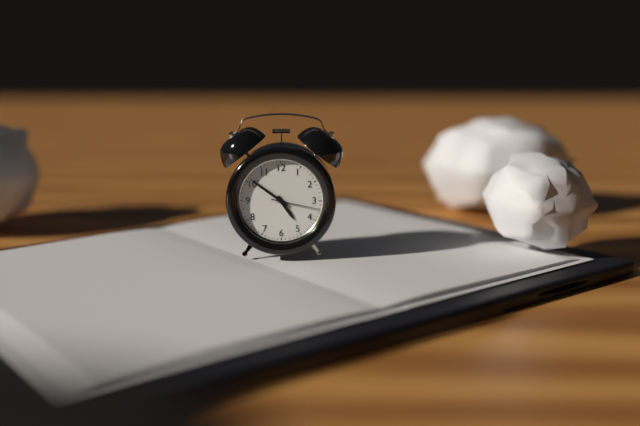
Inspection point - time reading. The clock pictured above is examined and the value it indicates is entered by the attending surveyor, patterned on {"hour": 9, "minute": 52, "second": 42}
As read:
{"hour": 4, "minute": 51, "second": 17}
